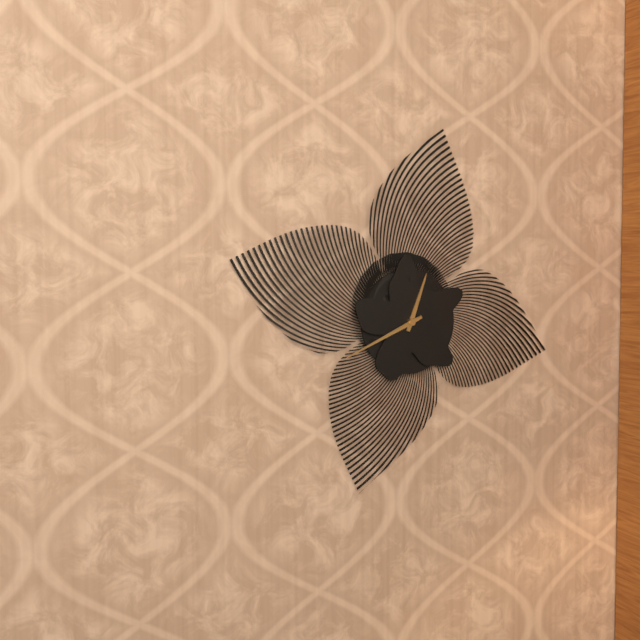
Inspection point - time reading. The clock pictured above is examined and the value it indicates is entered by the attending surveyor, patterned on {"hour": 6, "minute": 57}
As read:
{"hour": 12, "minute": 41}
